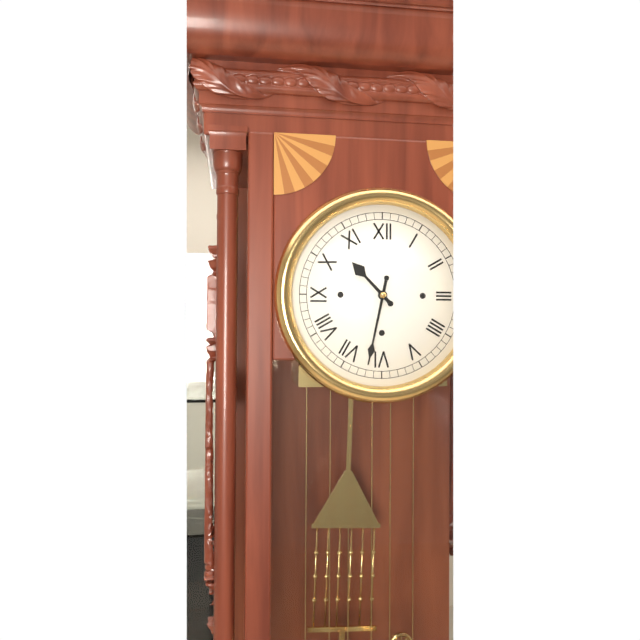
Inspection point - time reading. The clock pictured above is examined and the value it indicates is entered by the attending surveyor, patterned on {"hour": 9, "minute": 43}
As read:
{"hour": 10, "minute": 32}
